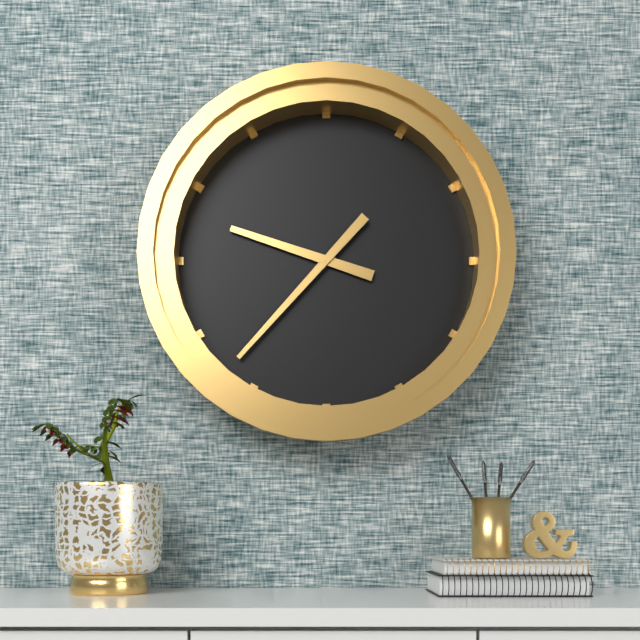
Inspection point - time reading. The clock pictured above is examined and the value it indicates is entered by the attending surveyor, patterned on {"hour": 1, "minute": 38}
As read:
{"hour": 9, "minute": 37}
